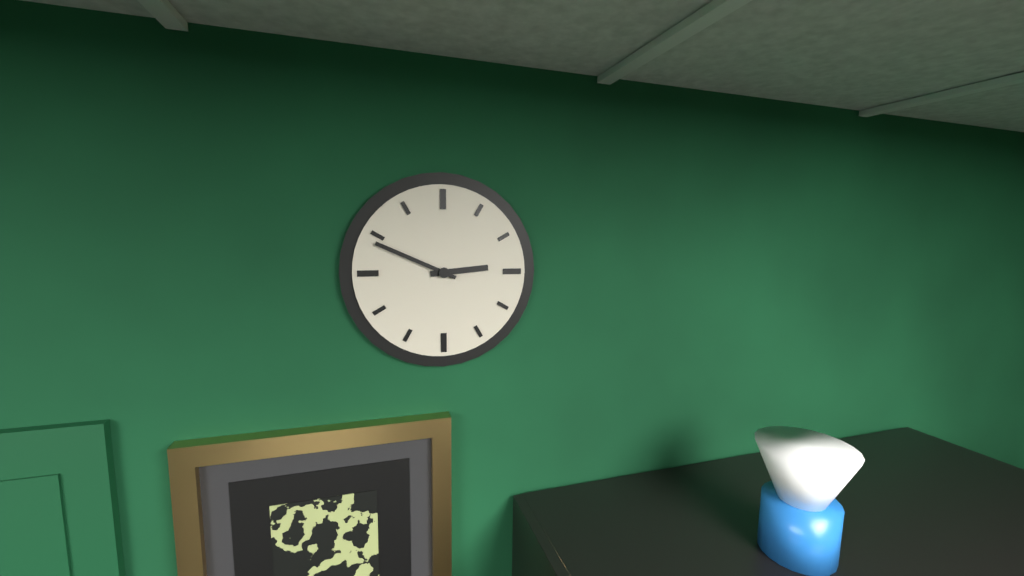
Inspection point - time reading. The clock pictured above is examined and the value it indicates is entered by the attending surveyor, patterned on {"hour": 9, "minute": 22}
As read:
{"hour": 2, "minute": 49}
